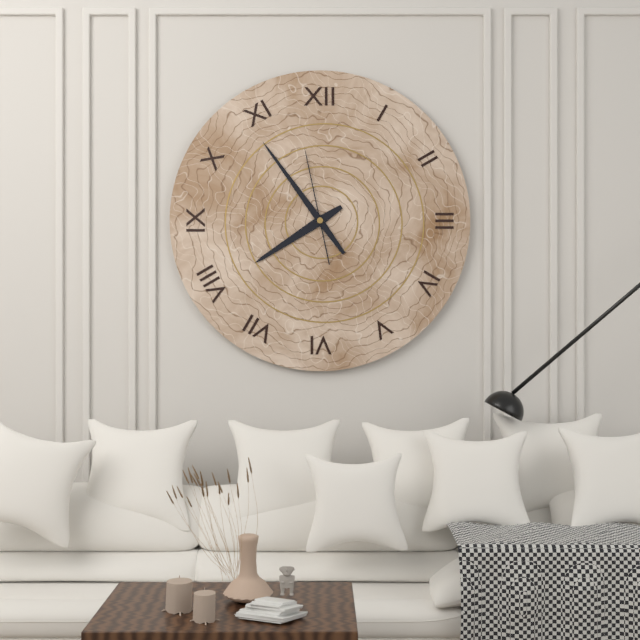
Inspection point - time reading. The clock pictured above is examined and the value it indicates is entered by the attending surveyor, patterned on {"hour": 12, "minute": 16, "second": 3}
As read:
{"hour": 7, "minute": 54, "second": 58}
